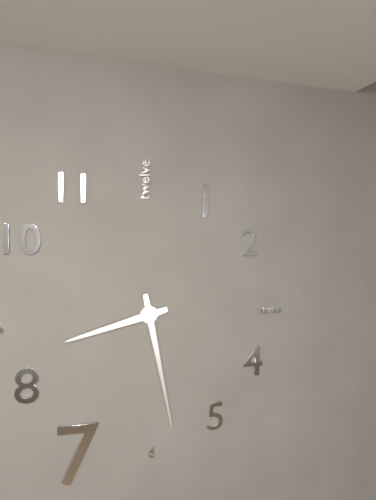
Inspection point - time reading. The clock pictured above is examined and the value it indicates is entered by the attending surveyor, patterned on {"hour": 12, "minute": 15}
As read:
{"hour": 8, "minute": 28}
